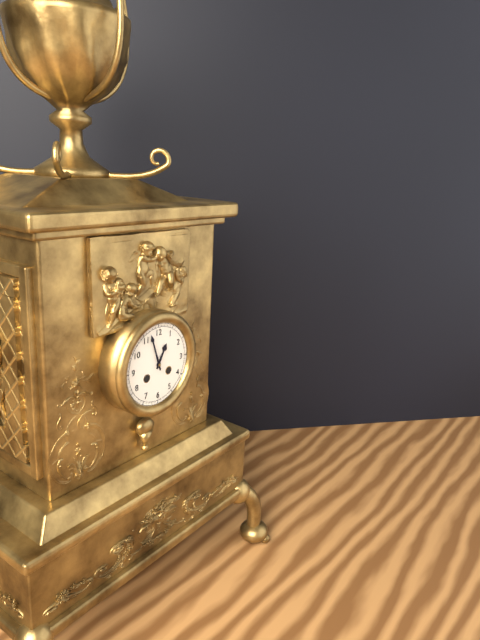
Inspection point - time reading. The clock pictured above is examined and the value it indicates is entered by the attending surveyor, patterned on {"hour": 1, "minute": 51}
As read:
{"hour": 12, "minute": 57}
